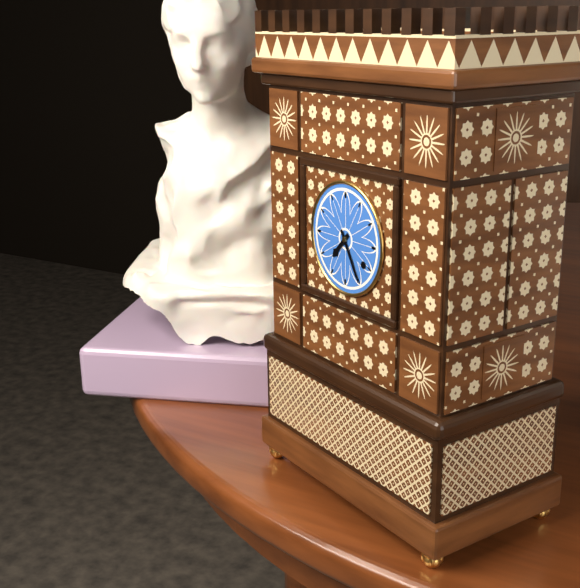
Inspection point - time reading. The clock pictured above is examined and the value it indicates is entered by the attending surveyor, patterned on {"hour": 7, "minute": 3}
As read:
{"hour": 7, "minute": 25}
